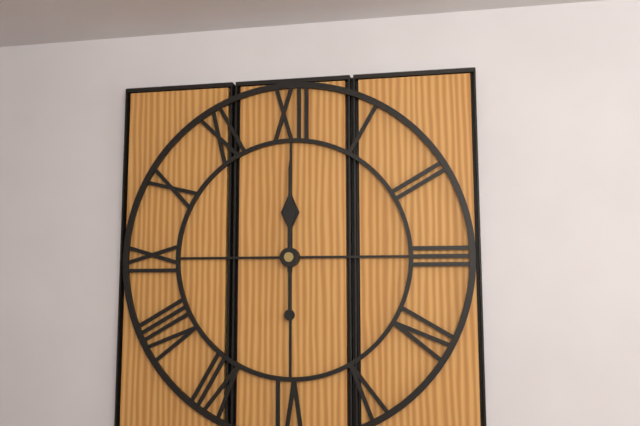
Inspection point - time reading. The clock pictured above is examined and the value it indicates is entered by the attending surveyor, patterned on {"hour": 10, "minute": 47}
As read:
{"hour": 12, "minute": 0}
